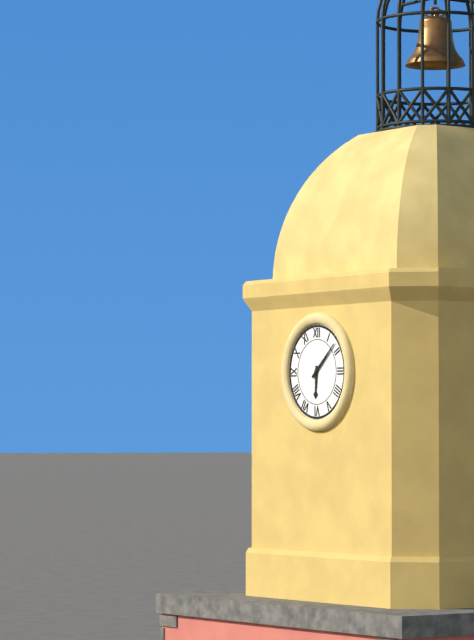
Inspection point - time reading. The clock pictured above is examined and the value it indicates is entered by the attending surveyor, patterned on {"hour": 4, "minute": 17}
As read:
{"hour": 6, "minute": 8}
